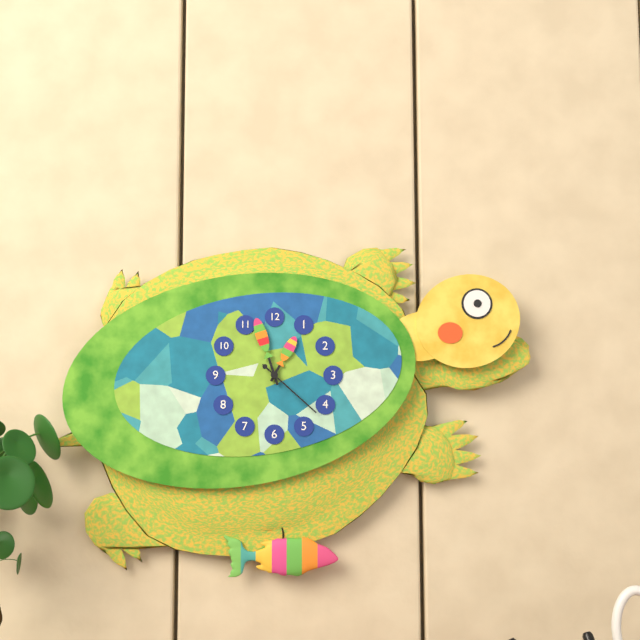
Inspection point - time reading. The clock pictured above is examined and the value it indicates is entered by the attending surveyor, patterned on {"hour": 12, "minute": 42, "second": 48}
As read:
{"hour": 12, "minute": 57, "second": 22}
